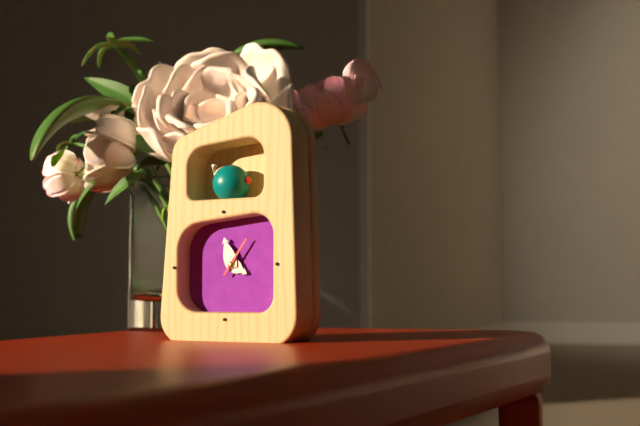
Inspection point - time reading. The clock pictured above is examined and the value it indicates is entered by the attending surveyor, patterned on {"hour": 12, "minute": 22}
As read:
{"hour": 3, "minute": 57}
